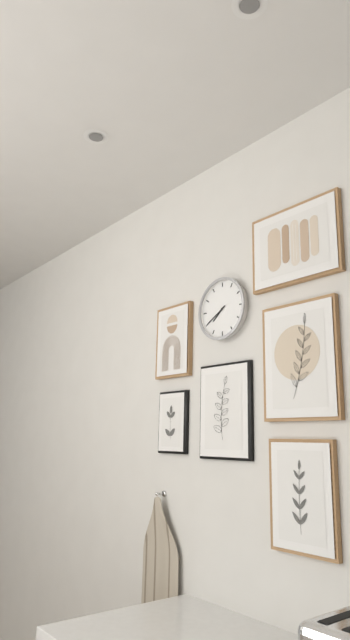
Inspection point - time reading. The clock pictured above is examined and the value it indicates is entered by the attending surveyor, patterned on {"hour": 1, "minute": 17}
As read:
{"hour": 7, "minute": 40}
